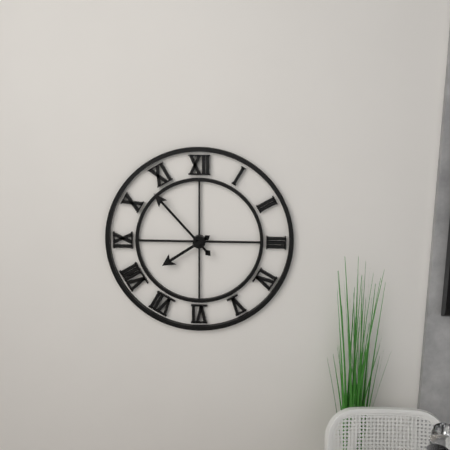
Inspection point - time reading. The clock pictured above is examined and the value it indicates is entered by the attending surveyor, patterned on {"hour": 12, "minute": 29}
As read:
{"hour": 7, "minute": 53}
